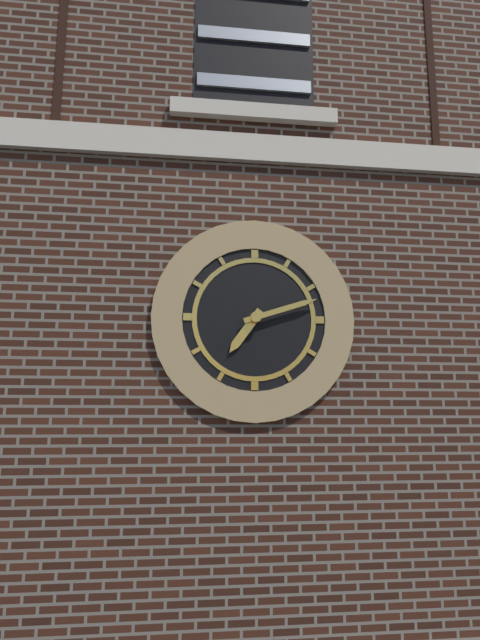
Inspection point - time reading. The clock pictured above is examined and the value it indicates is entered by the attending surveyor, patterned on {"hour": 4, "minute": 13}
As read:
{"hour": 7, "minute": 12}
